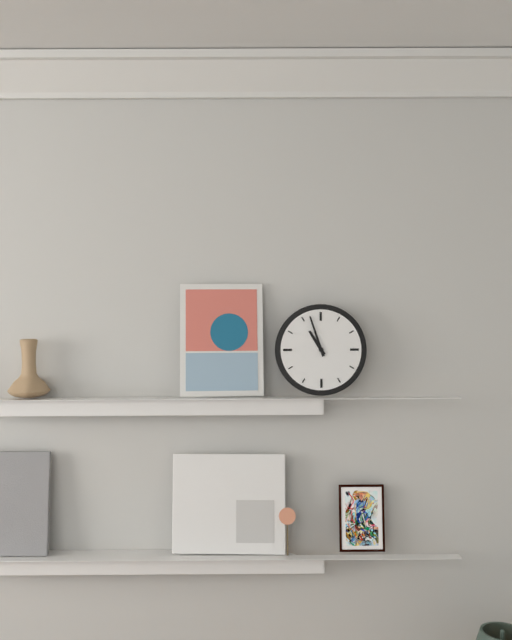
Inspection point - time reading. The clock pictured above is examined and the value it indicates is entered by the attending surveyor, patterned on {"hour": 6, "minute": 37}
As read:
{"hour": 10, "minute": 57}
